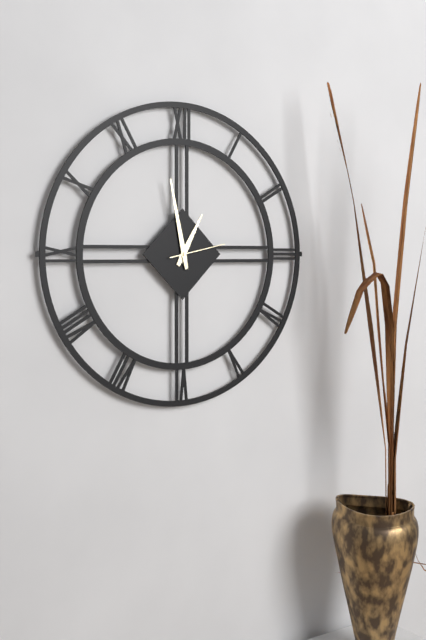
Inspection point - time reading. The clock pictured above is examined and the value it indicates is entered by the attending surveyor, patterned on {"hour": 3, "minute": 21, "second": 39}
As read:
{"hour": 12, "minute": 58, "second": 13}
